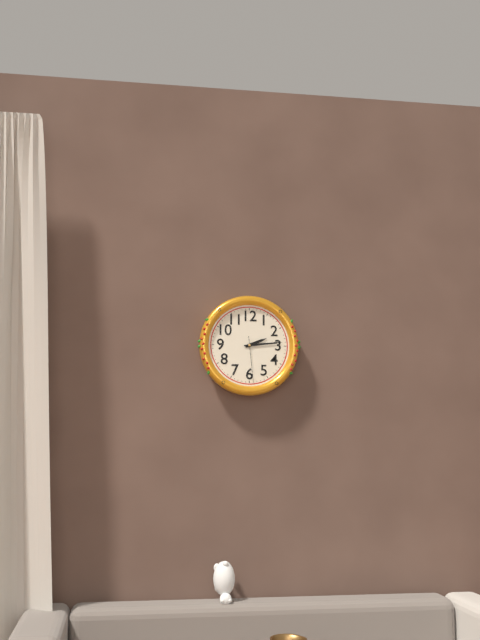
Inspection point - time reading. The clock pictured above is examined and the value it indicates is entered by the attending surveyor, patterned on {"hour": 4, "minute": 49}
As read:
{"hour": 2, "minute": 14}
